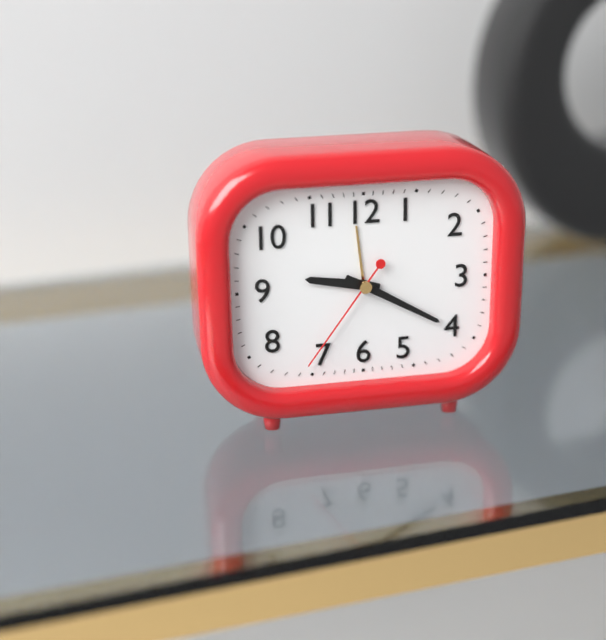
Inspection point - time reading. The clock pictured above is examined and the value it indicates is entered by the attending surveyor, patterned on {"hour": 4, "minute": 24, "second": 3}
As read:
{"hour": 9, "minute": 20, "second": 36}
